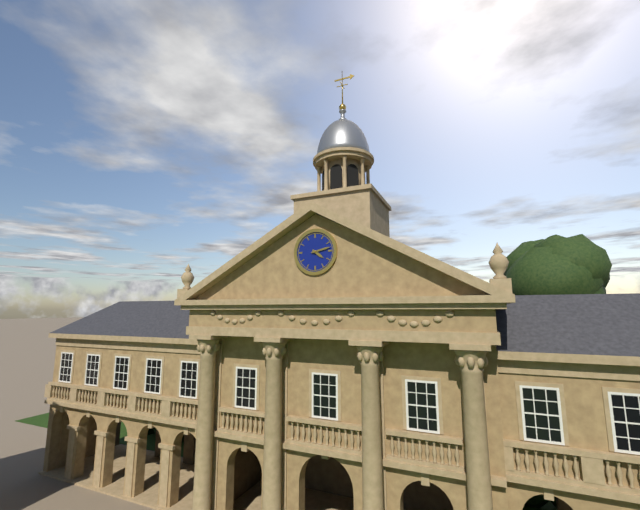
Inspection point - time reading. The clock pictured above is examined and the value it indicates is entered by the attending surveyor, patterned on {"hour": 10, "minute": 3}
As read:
{"hour": 4, "minute": 13}
